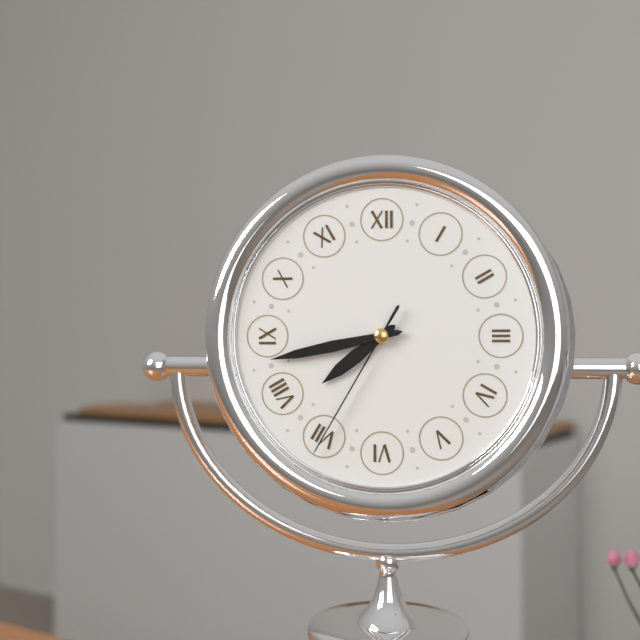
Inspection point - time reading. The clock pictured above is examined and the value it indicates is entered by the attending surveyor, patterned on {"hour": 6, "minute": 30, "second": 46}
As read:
{"hour": 7, "minute": 43, "second": 35}
